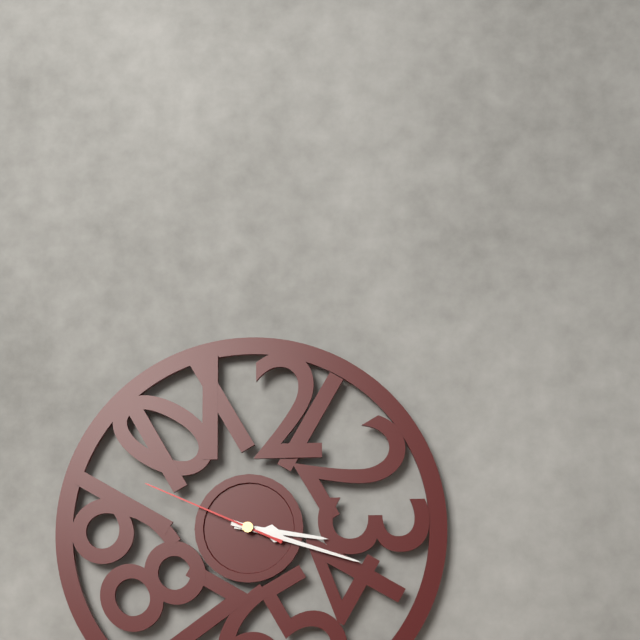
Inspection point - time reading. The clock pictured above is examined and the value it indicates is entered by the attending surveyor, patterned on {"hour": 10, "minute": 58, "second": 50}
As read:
{"hour": 3, "minute": 18, "second": 49}
